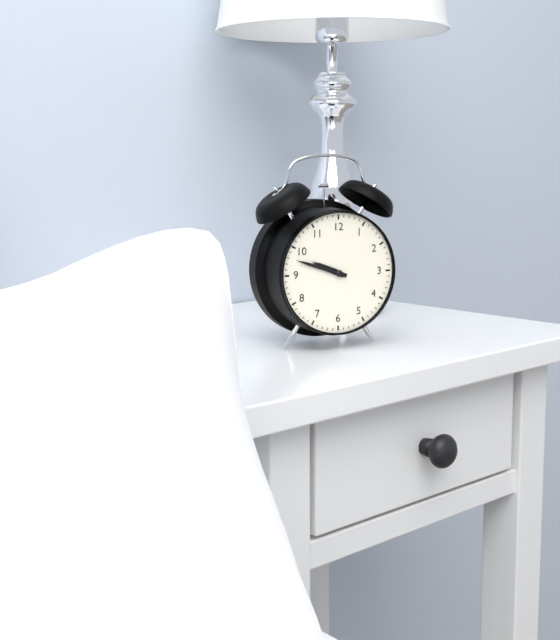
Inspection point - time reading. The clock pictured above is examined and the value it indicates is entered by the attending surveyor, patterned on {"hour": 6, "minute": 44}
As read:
{"hour": 9, "minute": 48}
